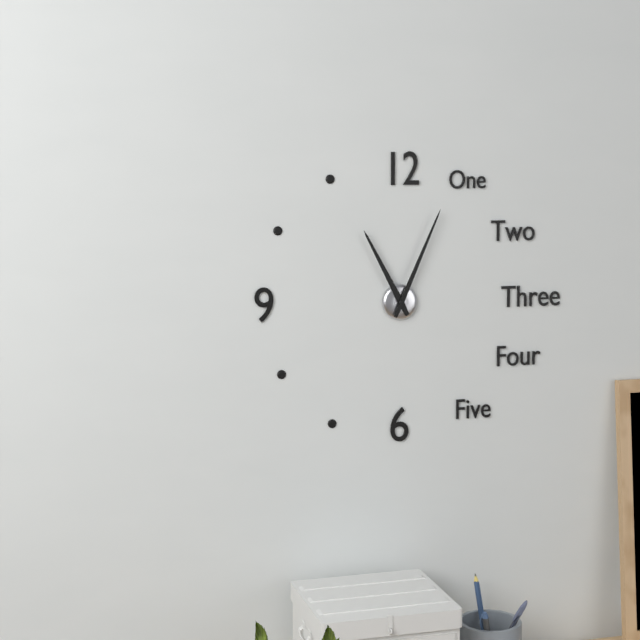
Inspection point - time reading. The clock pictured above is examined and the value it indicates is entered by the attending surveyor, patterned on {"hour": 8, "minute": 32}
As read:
{"hour": 11, "minute": 4}
